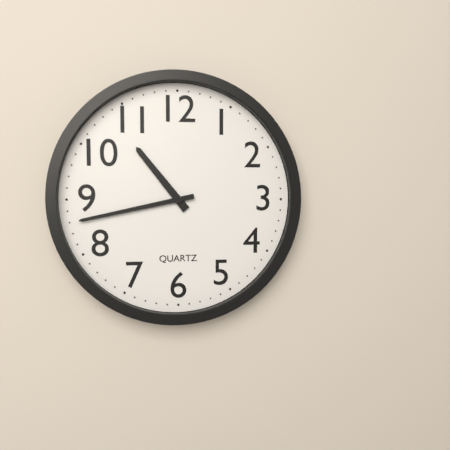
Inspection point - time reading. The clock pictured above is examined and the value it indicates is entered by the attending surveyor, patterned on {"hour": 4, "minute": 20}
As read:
{"hour": 10, "minute": 43}
